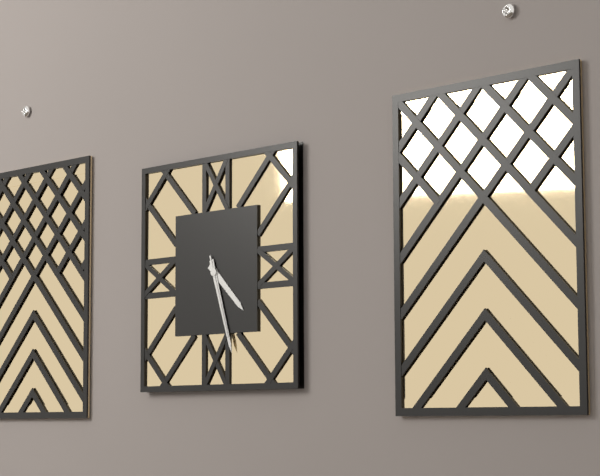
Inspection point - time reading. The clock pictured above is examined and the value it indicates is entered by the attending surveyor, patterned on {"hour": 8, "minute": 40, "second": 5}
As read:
{"hour": 4, "minute": 27, "second": 27}
